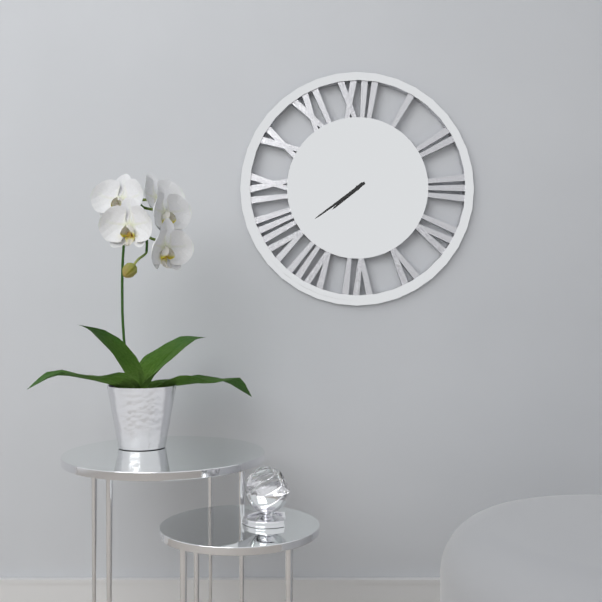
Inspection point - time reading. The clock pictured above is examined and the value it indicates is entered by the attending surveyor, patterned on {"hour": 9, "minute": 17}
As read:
{"hour": 7, "minute": 39}
